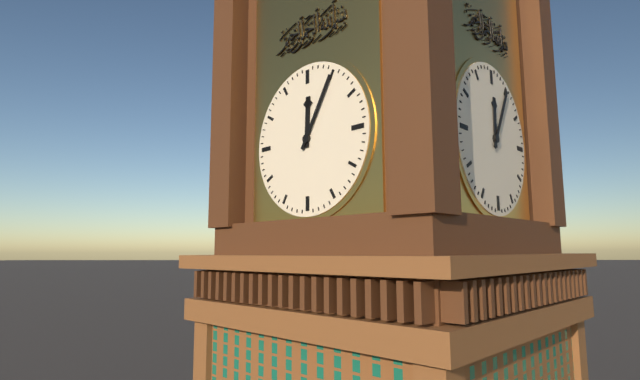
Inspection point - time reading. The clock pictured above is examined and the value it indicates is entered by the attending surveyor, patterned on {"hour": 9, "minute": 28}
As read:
{"hour": 12, "minute": 5}
